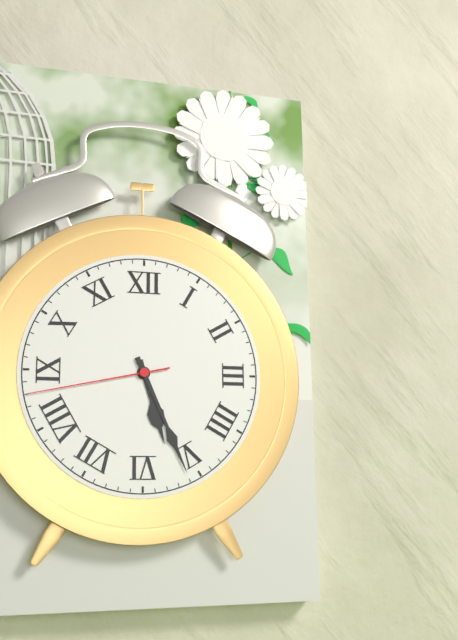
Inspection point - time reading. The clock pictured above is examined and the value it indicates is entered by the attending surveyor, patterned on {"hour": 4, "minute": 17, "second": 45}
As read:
{"hour": 5, "minute": 26, "second": 43}
